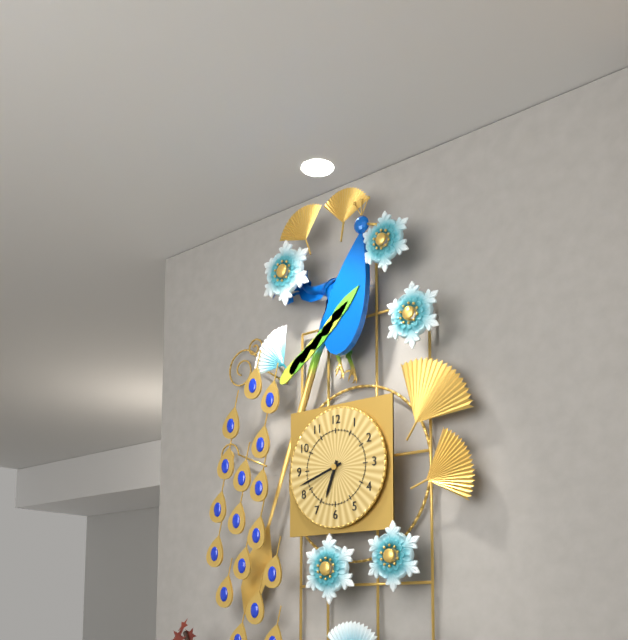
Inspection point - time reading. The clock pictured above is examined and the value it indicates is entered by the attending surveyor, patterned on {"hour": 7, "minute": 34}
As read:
{"hour": 6, "minute": 42}
